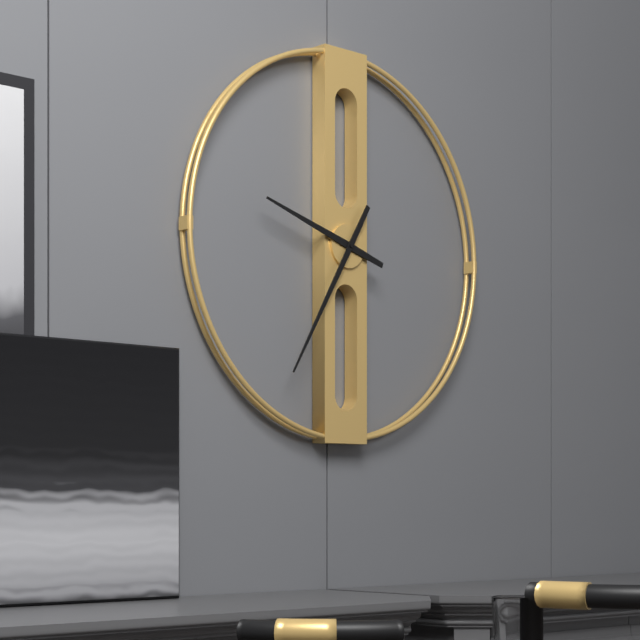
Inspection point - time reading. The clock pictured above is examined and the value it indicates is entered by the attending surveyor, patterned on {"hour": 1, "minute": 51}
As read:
{"hour": 9, "minute": 35}
